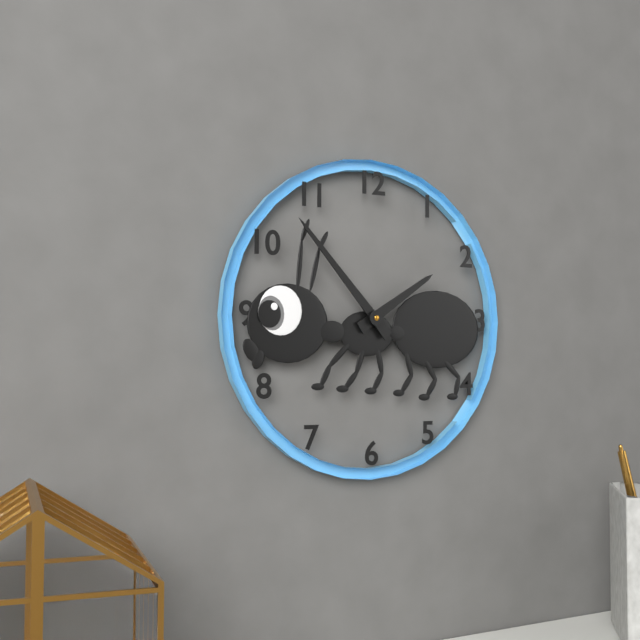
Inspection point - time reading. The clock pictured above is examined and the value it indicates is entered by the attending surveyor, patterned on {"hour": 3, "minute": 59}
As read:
{"hour": 1, "minute": 53}
